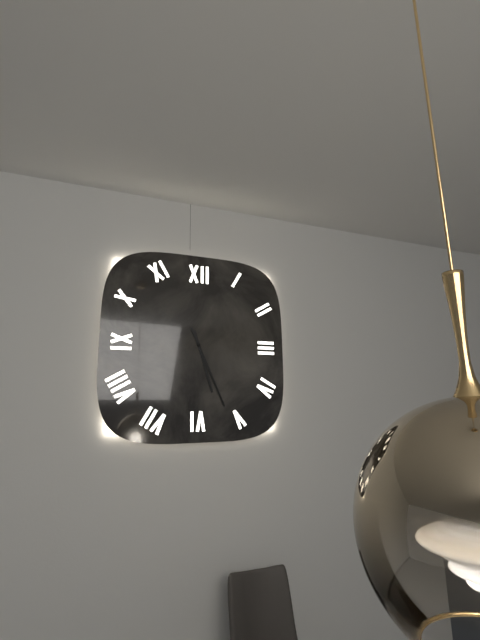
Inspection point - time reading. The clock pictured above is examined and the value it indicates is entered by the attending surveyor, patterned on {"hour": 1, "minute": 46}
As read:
{"hour": 5, "minute": 26}
